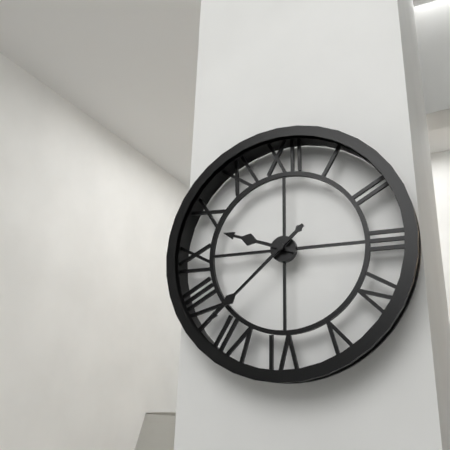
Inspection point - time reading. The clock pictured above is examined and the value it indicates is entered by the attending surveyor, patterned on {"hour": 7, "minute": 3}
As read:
{"hour": 9, "minute": 38}
